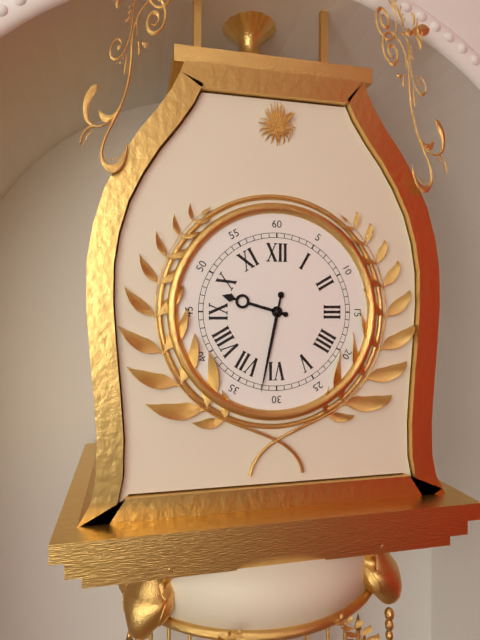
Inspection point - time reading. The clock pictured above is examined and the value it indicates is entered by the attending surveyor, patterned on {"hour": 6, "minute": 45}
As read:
{"hour": 9, "minute": 32}
